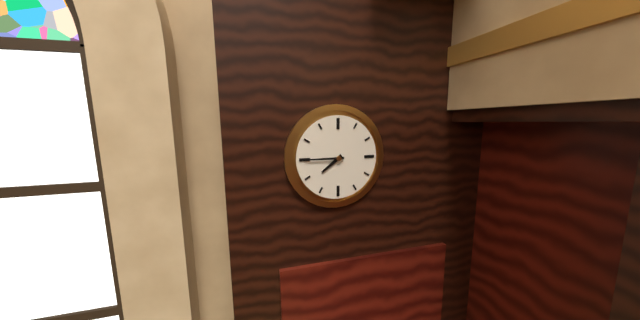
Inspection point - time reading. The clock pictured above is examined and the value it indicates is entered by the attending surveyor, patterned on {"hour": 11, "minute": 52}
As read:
{"hour": 7, "minute": 45}
